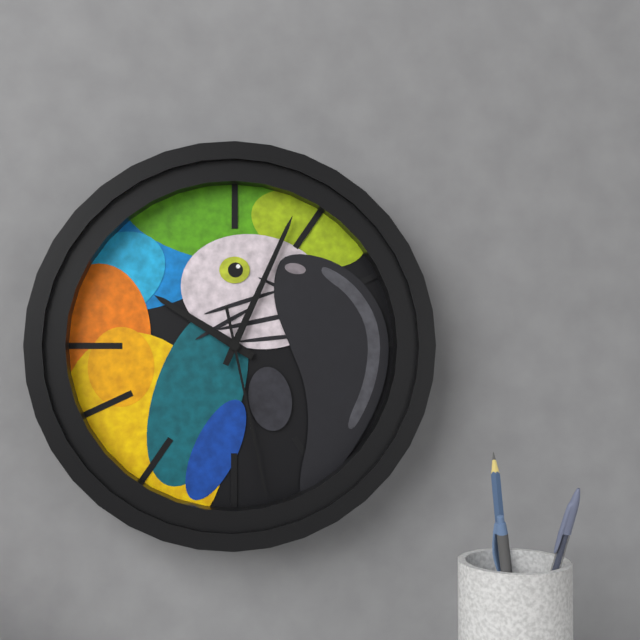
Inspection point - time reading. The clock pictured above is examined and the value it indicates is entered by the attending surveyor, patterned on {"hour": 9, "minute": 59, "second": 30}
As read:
{"hour": 10, "minute": 4, "second": 28}
